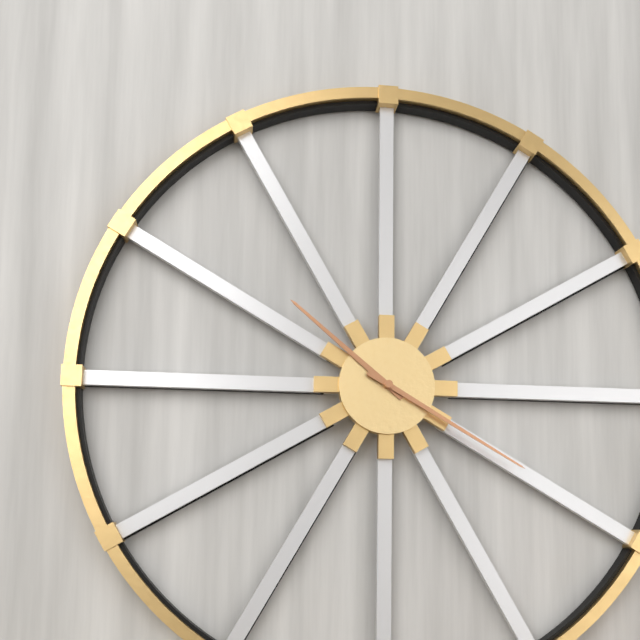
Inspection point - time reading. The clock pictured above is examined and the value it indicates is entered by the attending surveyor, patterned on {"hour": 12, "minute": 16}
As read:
{"hour": 10, "minute": 20}
